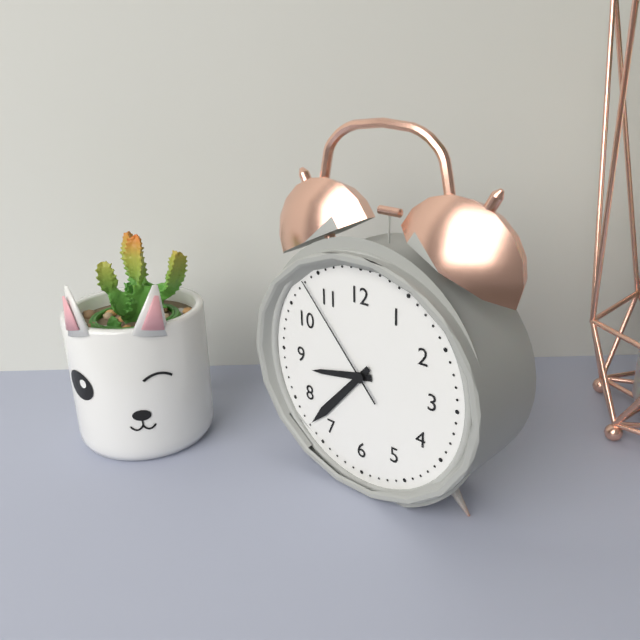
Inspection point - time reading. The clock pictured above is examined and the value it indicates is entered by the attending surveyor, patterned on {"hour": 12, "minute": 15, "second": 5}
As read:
{"hour": 8, "minute": 37, "second": 53}
